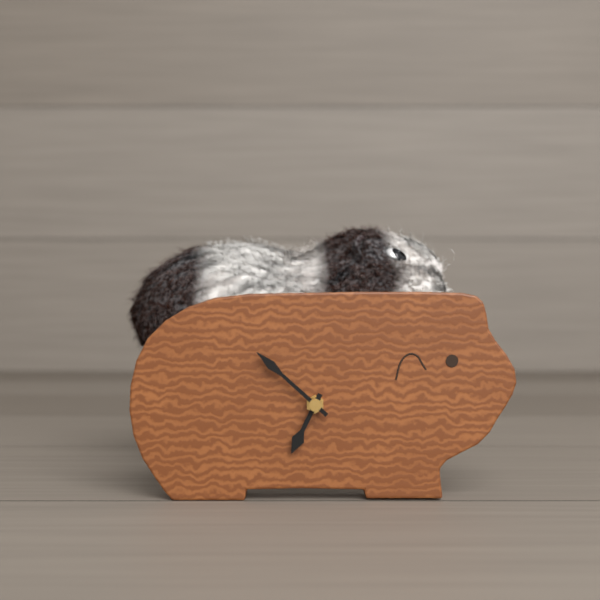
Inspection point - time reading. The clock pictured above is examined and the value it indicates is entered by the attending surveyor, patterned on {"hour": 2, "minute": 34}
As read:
{"hour": 6, "minute": 52}
